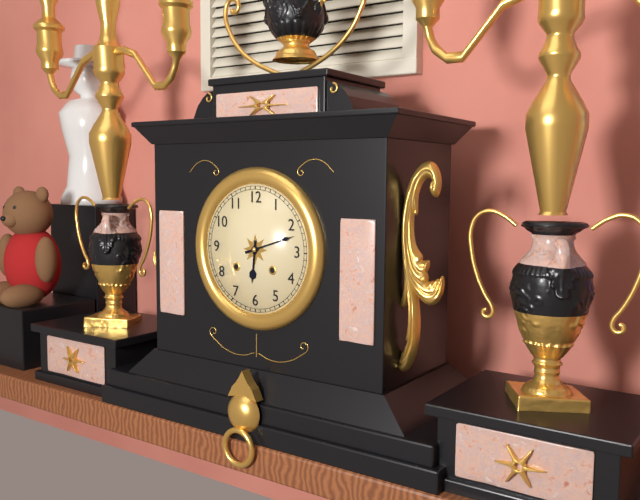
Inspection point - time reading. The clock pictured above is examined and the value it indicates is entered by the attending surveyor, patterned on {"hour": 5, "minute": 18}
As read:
{"hour": 6, "minute": 12}
